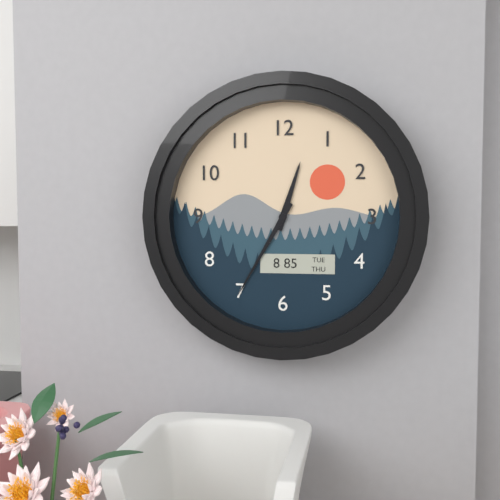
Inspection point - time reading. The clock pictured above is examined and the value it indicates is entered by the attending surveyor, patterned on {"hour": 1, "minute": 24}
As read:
{"hour": 12, "minute": 35}
